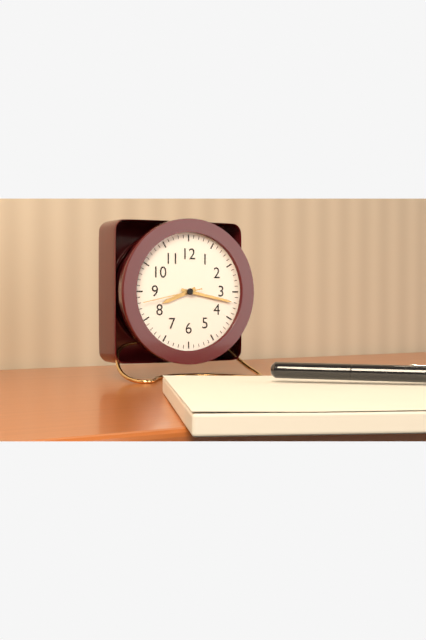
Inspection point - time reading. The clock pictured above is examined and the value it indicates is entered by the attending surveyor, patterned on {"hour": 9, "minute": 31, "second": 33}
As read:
{"hour": 8, "minute": 17, "second": 43}
